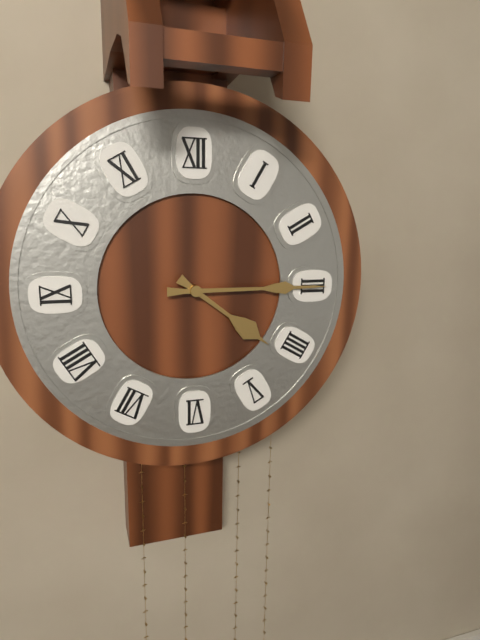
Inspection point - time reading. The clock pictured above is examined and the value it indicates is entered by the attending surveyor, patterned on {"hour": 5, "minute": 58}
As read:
{"hour": 4, "minute": 15}
